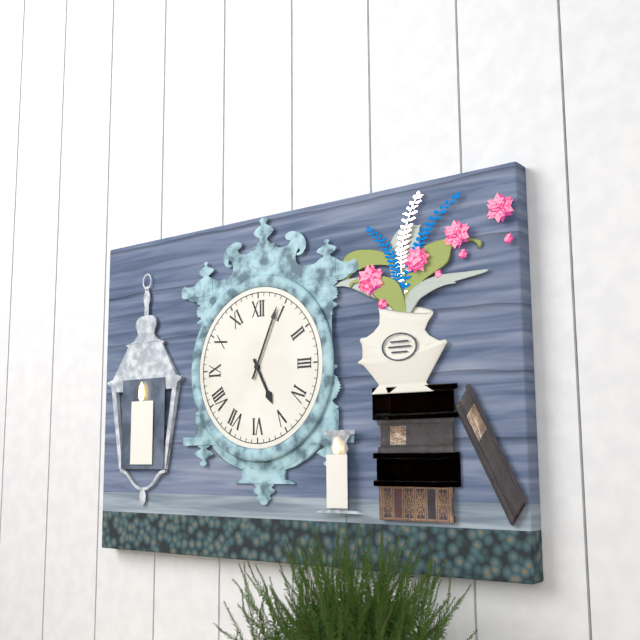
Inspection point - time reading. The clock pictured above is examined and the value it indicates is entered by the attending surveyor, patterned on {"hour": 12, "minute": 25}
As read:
{"hour": 5, "minute": 4}
